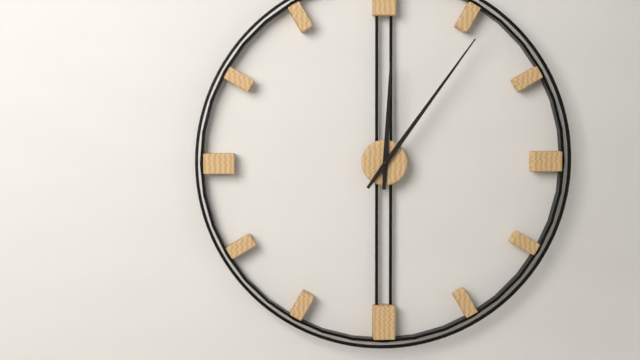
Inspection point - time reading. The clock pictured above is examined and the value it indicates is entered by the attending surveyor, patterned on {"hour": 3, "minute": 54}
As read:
{"hour": 12, "minute": 6}
